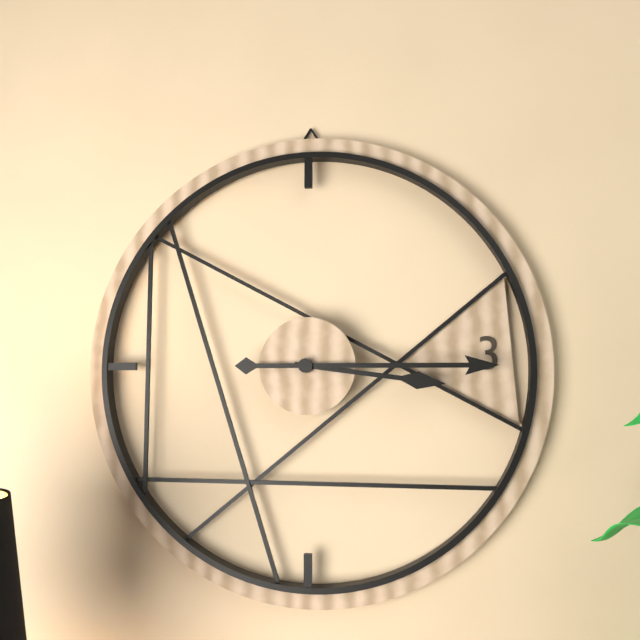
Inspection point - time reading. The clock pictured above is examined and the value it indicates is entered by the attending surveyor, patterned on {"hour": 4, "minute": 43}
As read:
{"hour": 3, "minute": 15}
